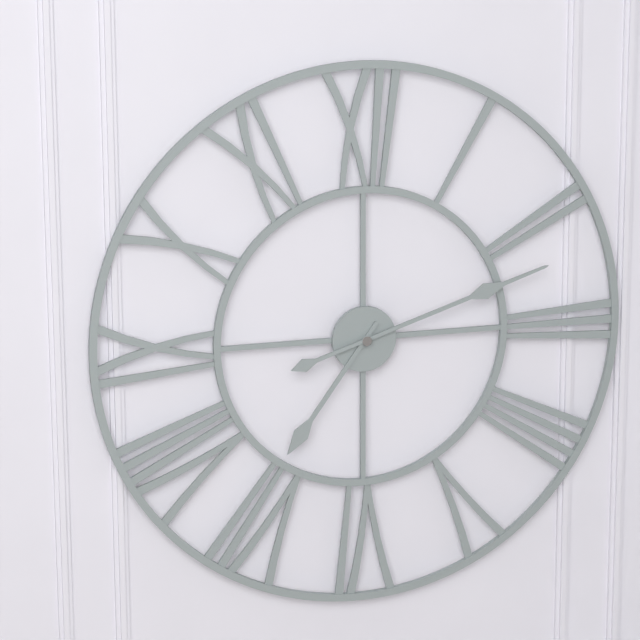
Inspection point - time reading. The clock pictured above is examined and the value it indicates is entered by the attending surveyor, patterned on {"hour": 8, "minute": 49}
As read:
{"hour": 7, "minute": 12}
